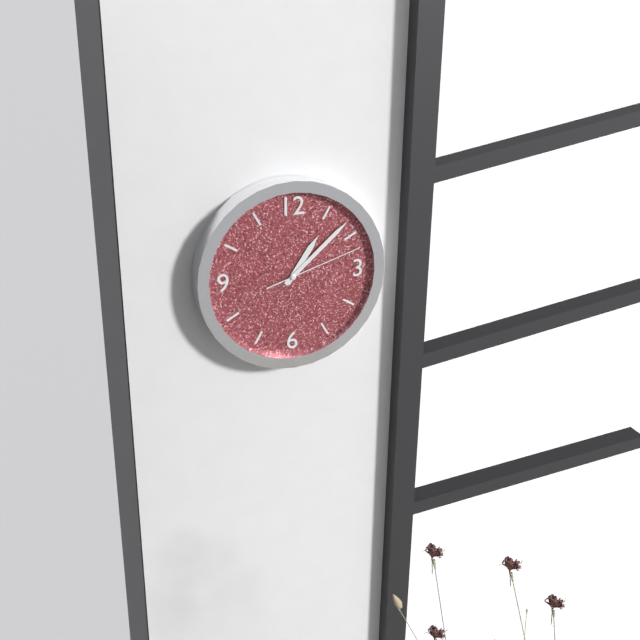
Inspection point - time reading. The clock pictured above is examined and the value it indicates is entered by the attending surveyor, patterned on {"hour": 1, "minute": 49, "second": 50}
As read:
{"hour": 1, "minute": 8, "second": 12}
